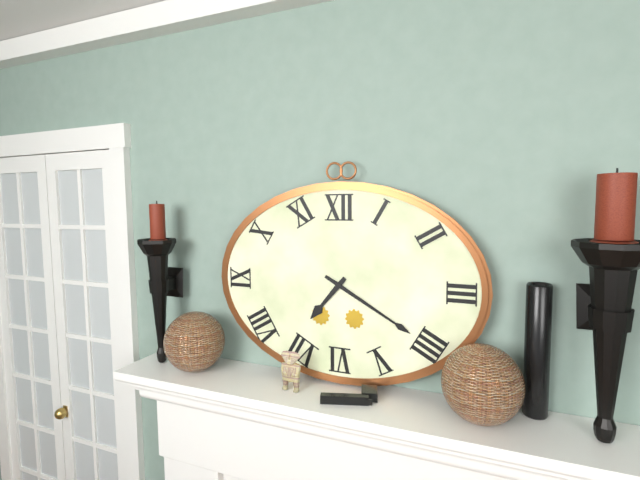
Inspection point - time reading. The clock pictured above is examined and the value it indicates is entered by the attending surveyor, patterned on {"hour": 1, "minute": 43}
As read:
{"hour": 7, "minute": 20}
